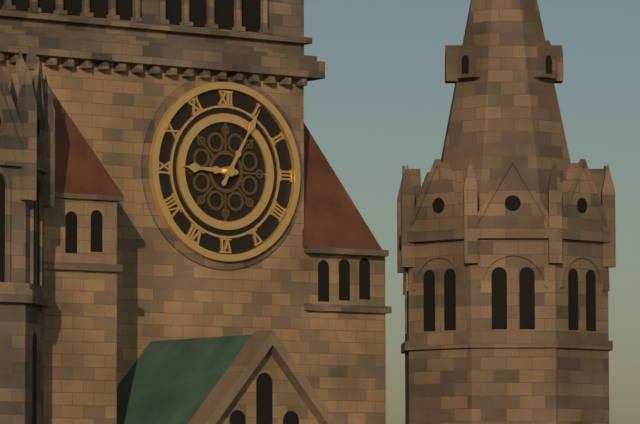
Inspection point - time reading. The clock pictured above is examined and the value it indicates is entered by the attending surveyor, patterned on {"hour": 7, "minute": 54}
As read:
{"hour": 9, "minute": 5}
